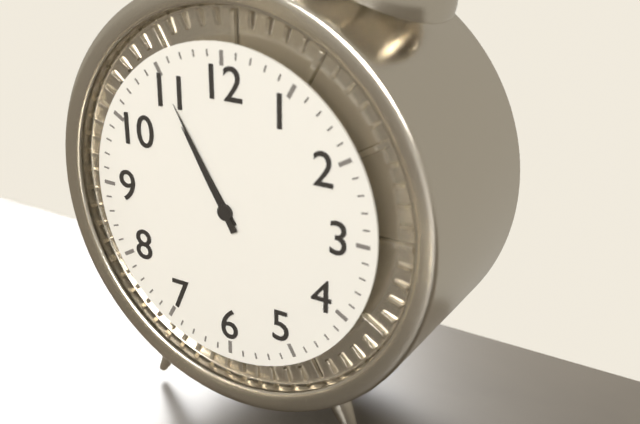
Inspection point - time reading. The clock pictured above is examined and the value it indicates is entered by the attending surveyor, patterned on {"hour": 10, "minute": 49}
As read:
{"hour": 10, "minute": 55}
